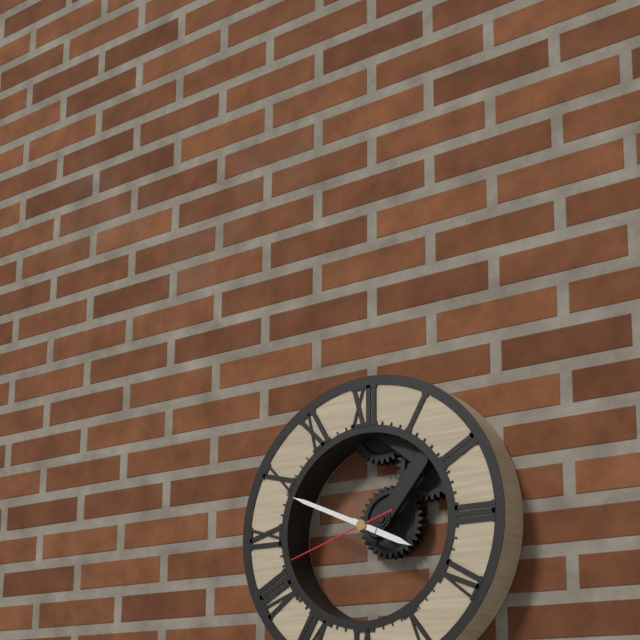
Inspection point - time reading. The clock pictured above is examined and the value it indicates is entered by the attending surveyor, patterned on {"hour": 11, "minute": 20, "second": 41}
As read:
{"hour": 3, "minute": 49, "second": 42}
